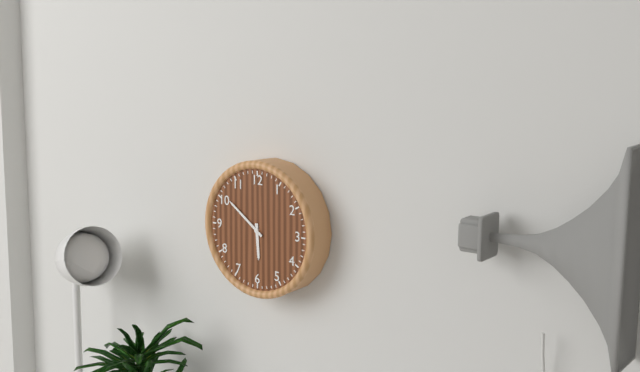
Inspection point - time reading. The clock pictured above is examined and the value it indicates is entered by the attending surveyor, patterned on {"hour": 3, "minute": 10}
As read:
{"hour": 5, "minute": 51}
